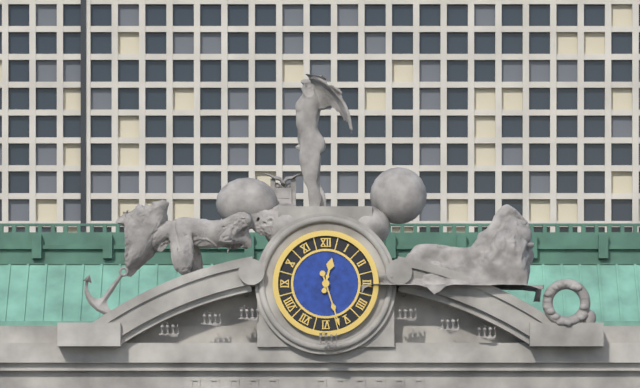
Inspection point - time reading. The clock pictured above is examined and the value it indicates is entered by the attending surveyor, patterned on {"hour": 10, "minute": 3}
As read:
{"hour": 12, "minute": 27}
